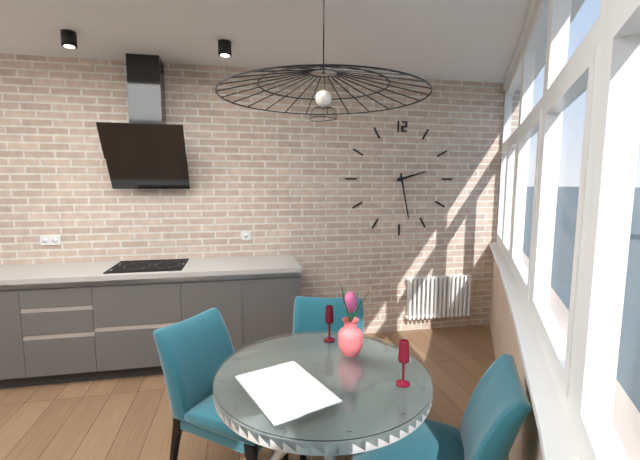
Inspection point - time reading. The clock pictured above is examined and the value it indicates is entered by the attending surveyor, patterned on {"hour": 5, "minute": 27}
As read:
{"hour": 2, "minute": 28}
